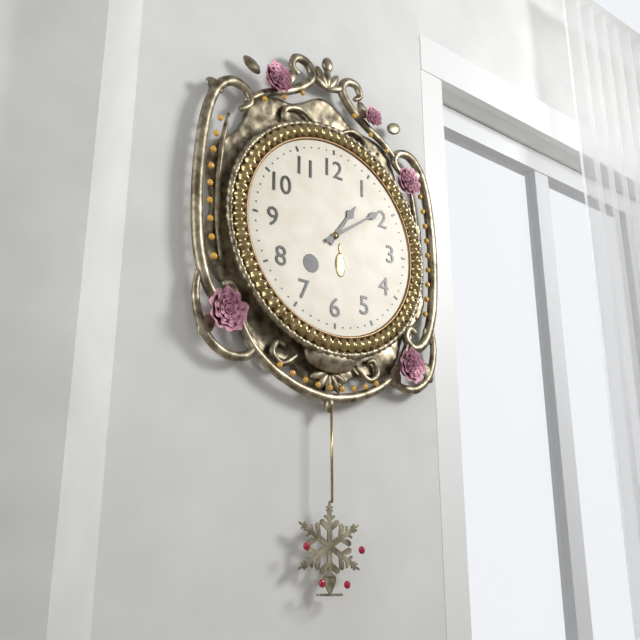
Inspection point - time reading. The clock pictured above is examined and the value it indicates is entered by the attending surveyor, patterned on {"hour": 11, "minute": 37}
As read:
{"hour": 1, "minute": 9}
